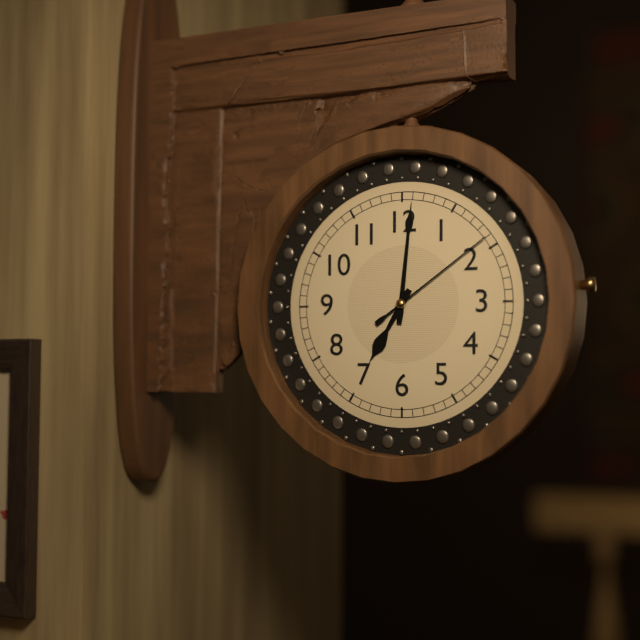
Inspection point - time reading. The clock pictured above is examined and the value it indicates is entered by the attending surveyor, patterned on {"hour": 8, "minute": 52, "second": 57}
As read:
{"hour": 7, "minute": 1, "second": 9}
